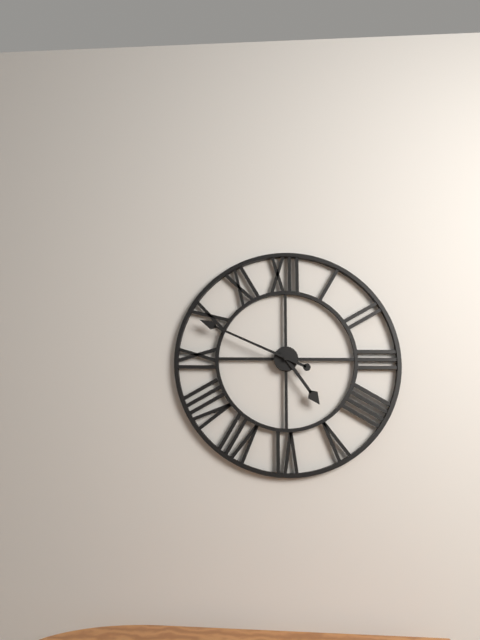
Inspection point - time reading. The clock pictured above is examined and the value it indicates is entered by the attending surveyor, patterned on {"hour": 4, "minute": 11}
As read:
{"hour": 4, "minute": 49}
